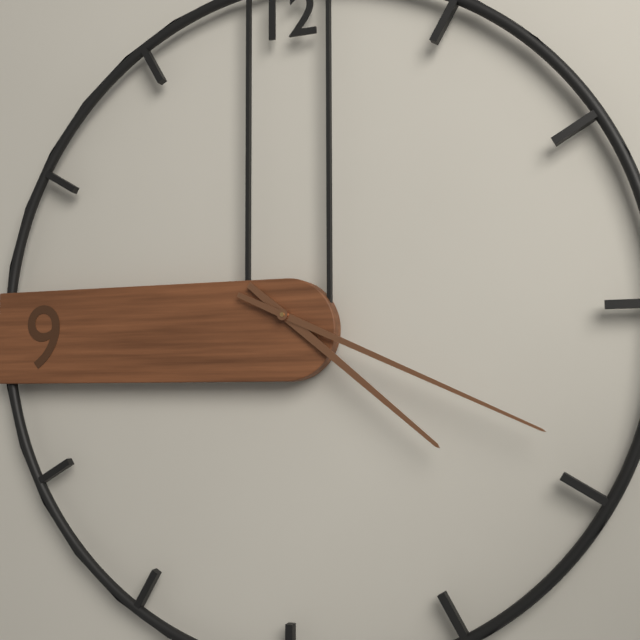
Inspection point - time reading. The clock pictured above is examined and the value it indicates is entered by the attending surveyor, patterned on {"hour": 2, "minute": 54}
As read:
{"hour": 4, "minute": 19}
